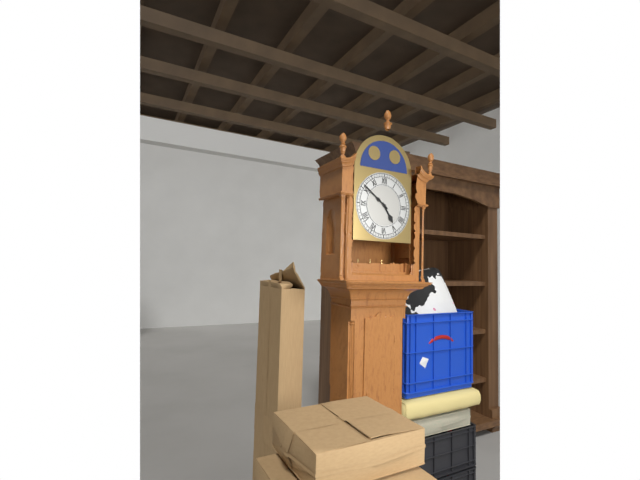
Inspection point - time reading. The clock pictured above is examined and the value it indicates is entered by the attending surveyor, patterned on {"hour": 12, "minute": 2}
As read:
{"hour": 4, "minute": 51}
